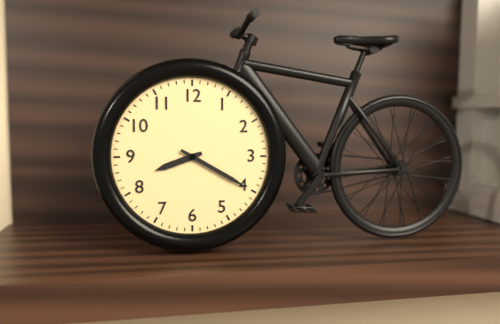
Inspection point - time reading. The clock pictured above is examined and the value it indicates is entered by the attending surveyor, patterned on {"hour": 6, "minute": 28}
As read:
{"hour": 8, "minute": 20}
